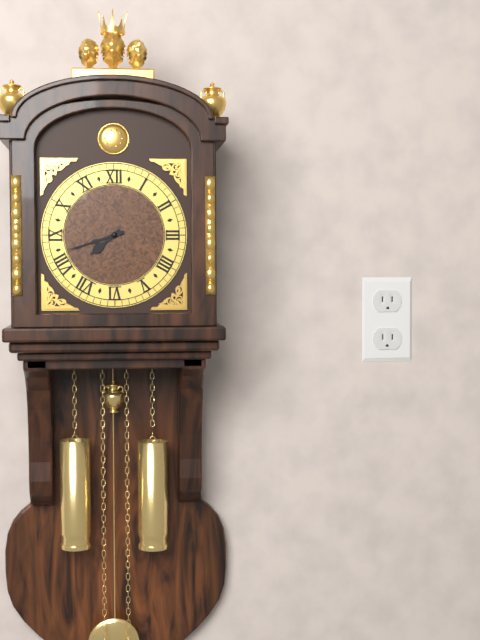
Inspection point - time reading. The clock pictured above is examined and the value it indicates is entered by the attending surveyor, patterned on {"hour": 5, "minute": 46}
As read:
{"hour": 7, "minute": 42}
